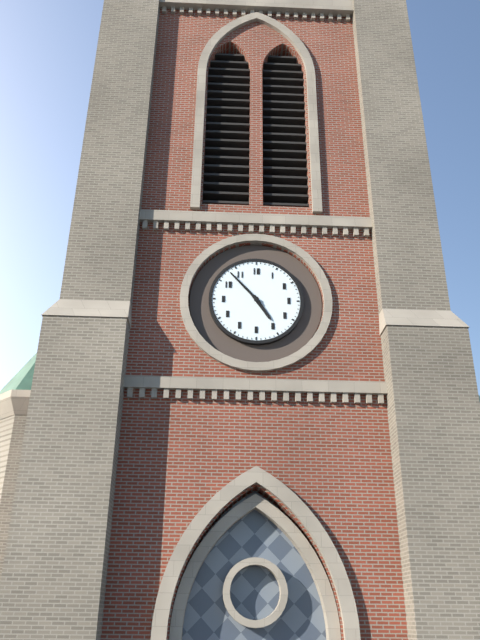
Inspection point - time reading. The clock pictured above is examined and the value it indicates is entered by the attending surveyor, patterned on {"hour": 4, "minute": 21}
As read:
{"hour": 4, "minute": 53}
